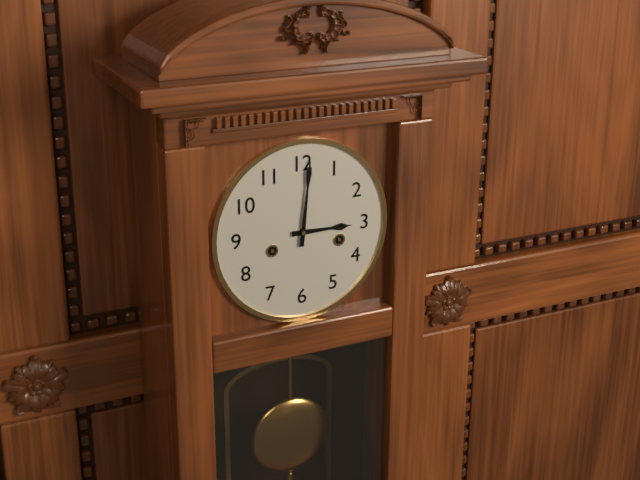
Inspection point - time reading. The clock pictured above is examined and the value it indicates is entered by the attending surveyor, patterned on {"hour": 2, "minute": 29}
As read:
{"hour": 3, "minute": 1}
